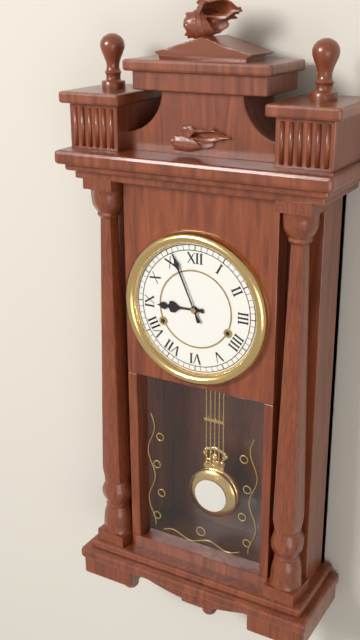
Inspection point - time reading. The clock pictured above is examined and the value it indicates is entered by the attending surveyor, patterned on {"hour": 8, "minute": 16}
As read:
{"hour": 8, "minute": 56}
